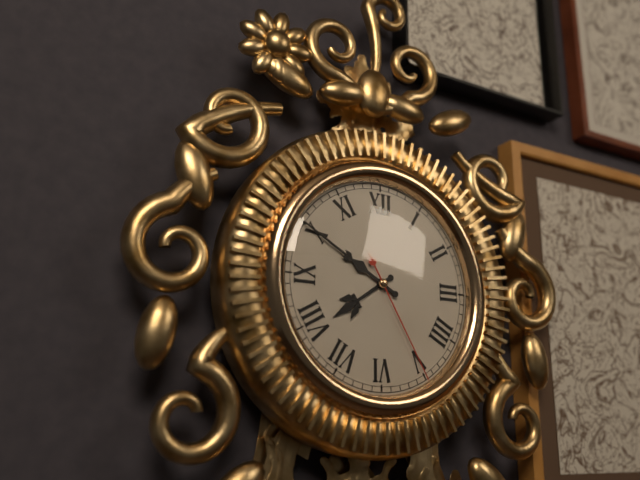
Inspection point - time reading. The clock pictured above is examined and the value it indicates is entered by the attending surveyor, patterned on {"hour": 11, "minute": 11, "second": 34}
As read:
{"hour": 7, "minute": 50, "second": 25}
